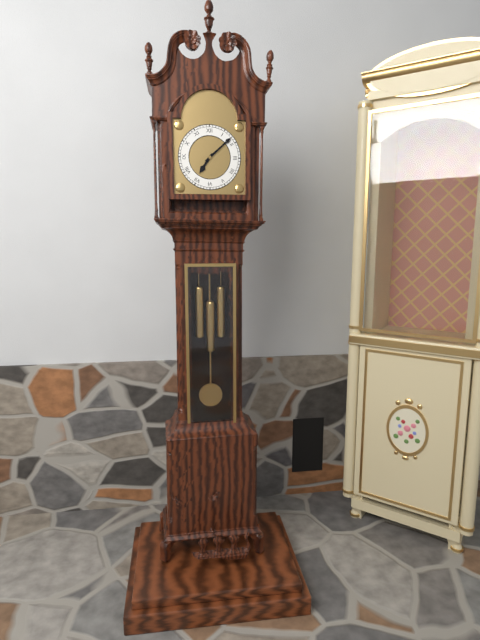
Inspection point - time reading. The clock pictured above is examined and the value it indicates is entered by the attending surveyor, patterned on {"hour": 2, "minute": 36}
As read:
{"hour": 7, "minute": 8}
